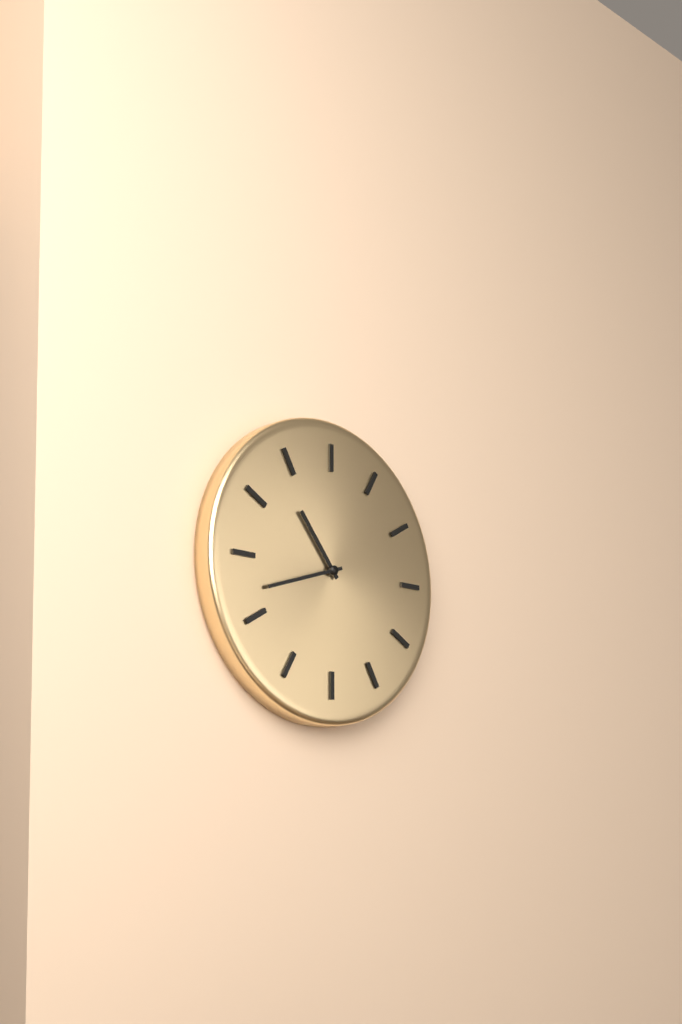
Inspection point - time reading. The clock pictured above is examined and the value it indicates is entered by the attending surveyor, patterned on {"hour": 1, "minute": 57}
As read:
{"hour": 10, "minute": 42}
